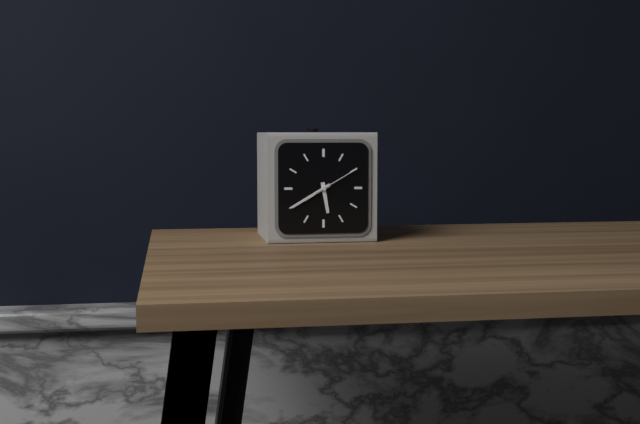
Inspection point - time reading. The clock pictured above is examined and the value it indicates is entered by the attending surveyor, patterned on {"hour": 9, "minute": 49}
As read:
{"hour": 5, "minute": 40}
